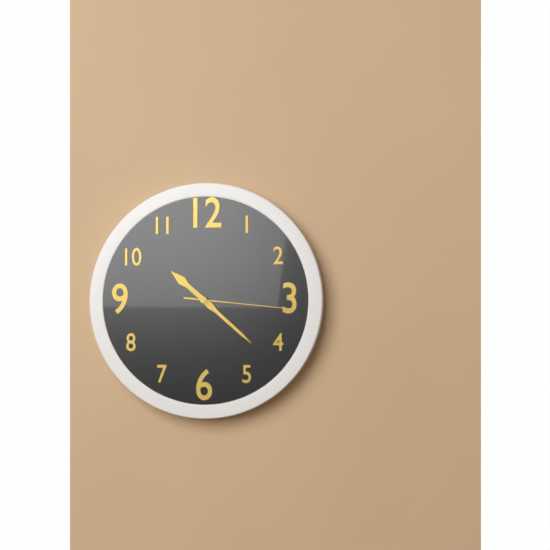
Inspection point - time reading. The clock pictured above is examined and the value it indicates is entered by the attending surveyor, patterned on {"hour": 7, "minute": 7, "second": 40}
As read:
{"hour": 10, "minute": 22, "second": 16}
